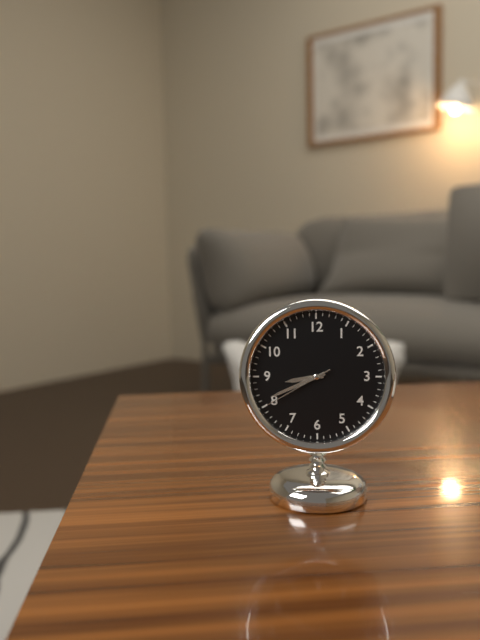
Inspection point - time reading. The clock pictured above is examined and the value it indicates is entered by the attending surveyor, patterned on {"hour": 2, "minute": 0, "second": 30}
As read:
{"hour": 8, "minute": 41, "second": 40}
